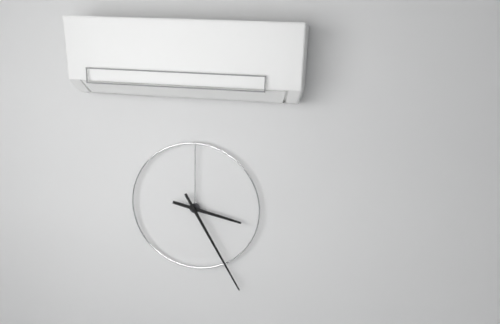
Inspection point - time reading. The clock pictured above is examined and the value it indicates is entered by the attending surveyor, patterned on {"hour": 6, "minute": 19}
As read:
{"hour": 3, "minute": 25}
